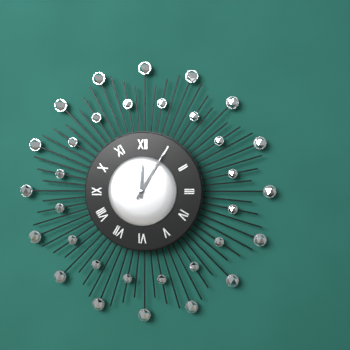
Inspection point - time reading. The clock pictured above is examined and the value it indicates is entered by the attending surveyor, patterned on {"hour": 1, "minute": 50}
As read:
{"hour": 12, "minute": 5}
